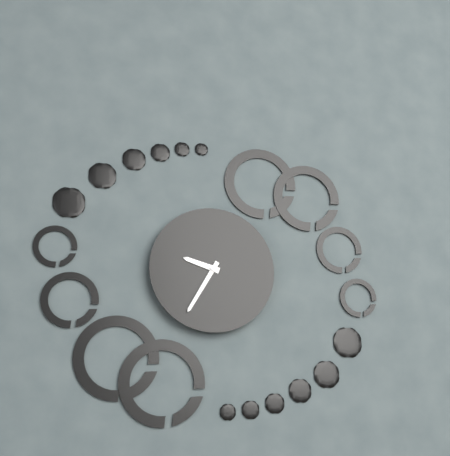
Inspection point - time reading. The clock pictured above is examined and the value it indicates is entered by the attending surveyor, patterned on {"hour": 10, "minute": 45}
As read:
{"hour": 9, "minute": 35}
